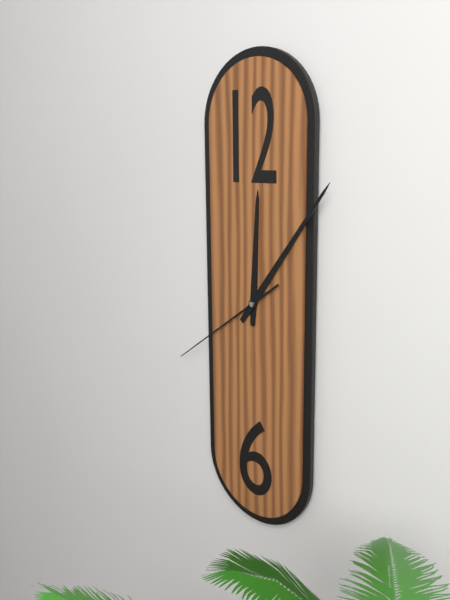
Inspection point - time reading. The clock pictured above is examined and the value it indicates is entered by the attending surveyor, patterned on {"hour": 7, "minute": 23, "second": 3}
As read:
{"hour": 12, "minute": 6, "second": 39}
